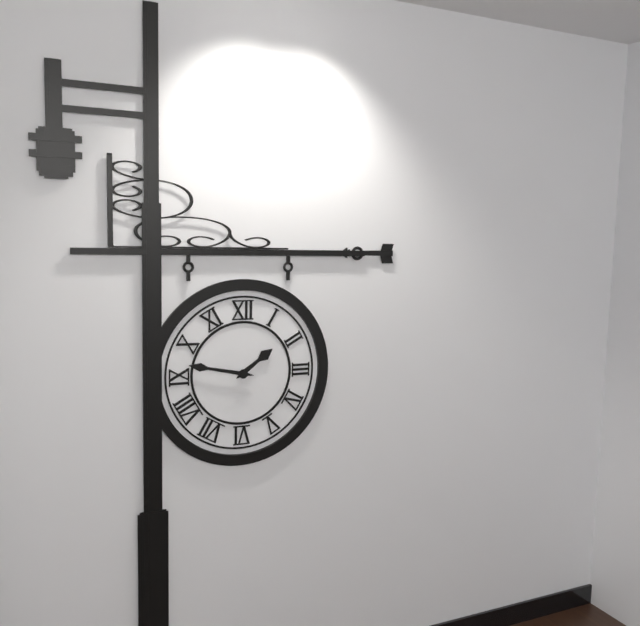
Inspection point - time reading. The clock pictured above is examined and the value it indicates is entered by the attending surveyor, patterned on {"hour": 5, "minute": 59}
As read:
{"hour": 1, "minute": 47}
